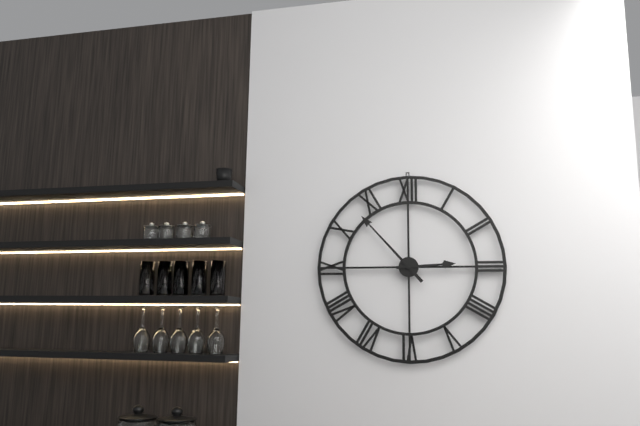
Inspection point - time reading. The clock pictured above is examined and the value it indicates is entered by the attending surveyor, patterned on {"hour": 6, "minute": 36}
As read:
{"hour": 2, "minute": 53}
